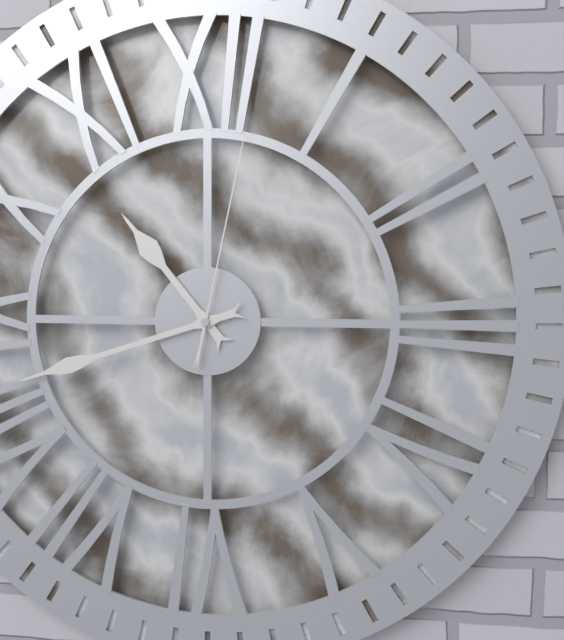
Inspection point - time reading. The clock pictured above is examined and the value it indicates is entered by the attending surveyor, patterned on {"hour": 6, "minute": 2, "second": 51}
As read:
{"hour": 10, "minute": 42, "second": 2}
